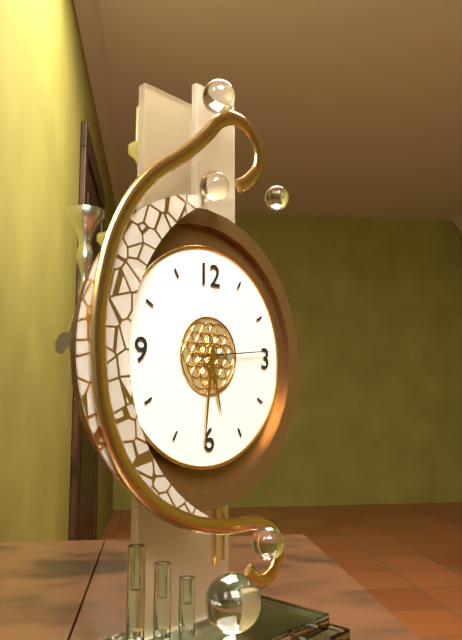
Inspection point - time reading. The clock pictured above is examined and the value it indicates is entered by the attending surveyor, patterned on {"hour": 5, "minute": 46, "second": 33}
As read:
{"hour": 5, "minute": 31, "second": 14}
